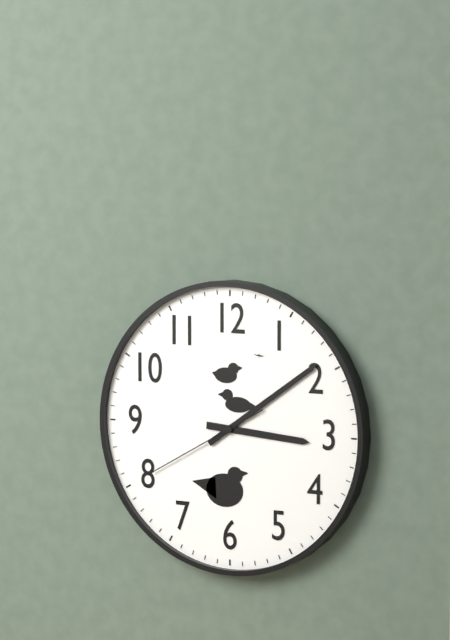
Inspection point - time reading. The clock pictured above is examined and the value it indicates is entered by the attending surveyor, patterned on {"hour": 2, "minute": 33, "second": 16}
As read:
{"hour": 3, "minute": 9, "second": 40}
